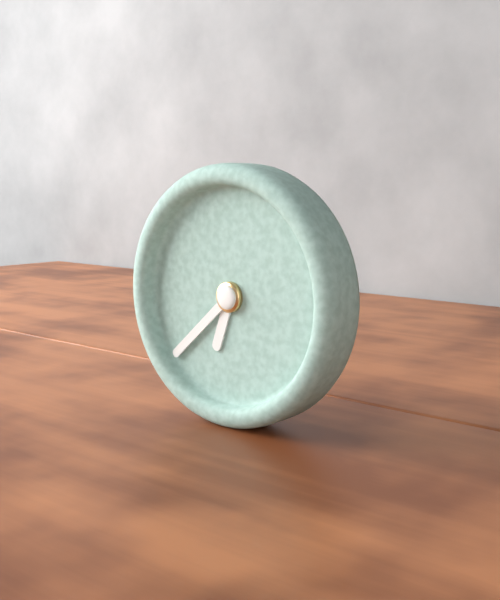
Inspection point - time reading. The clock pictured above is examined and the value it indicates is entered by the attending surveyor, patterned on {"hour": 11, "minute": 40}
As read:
{"hour": 6, "minute": 38}
